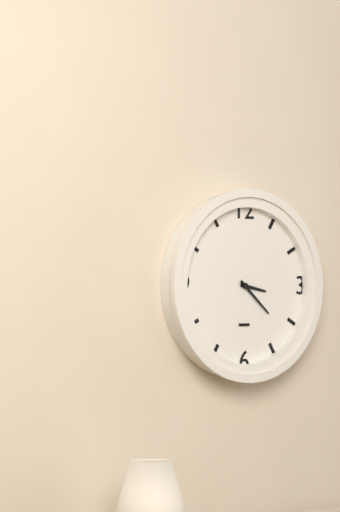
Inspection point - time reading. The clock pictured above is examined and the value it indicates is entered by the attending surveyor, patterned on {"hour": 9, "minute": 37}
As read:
{"hour": 3, "minute": 22}
